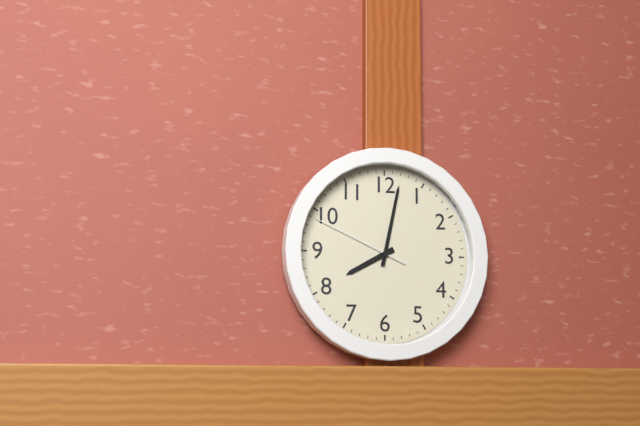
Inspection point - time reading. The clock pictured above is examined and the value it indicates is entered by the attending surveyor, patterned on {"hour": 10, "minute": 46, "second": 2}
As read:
{"hour": 8, "minute": 2, "second": 49}
